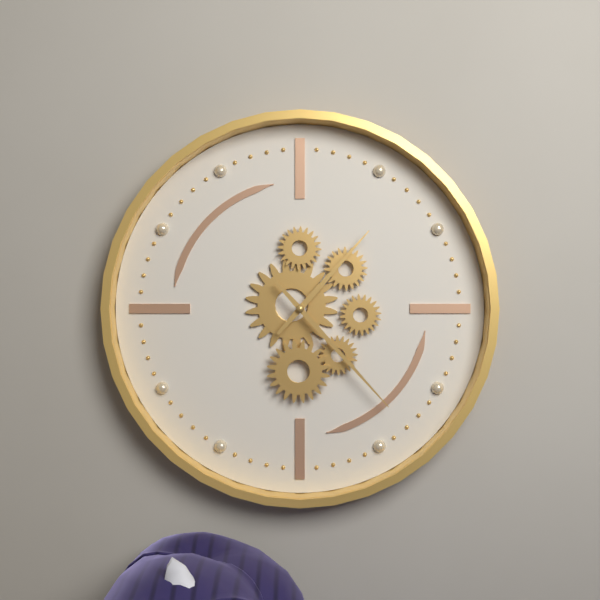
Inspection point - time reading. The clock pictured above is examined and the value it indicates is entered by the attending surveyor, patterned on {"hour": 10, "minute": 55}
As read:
{"hour": 1, "minute": 23}
